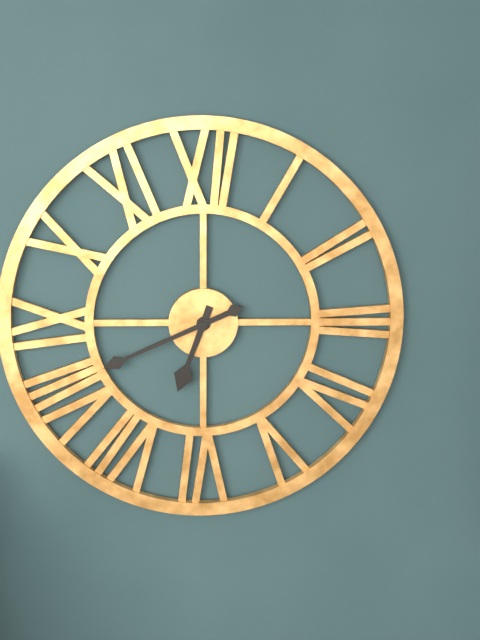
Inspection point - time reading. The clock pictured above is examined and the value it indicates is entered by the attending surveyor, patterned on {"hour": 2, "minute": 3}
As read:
{"hour": 6, "minute": 41}
